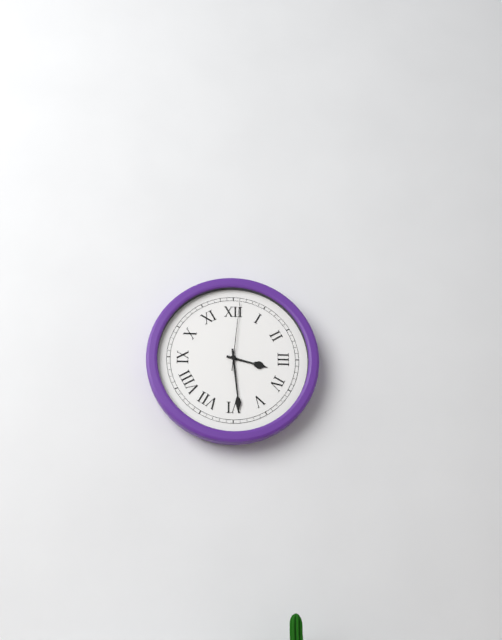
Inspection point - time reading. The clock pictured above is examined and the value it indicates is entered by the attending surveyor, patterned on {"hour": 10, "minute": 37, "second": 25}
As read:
{"hour": 3, "minute": 29, "second": 1}
